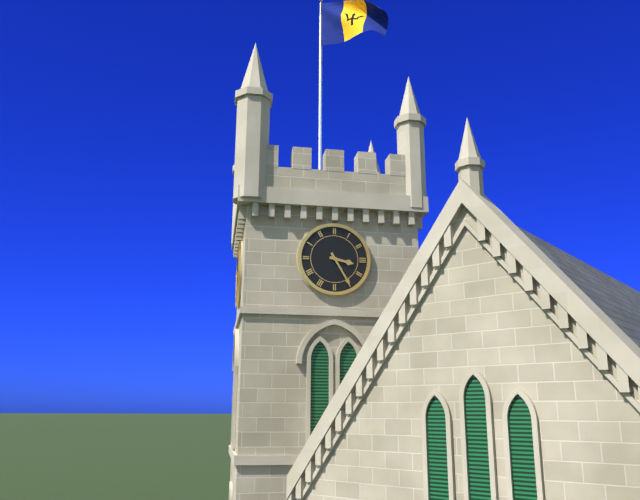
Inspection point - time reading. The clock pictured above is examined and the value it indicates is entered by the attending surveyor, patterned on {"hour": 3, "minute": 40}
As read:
{"hour": 3, "minute": 25}
